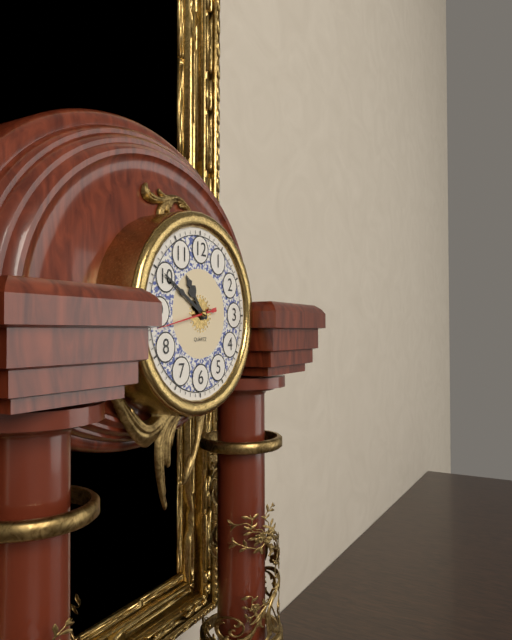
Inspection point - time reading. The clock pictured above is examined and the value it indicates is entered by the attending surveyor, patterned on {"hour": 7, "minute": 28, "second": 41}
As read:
{"hour": 10, "minute": 50, "second": 43}
